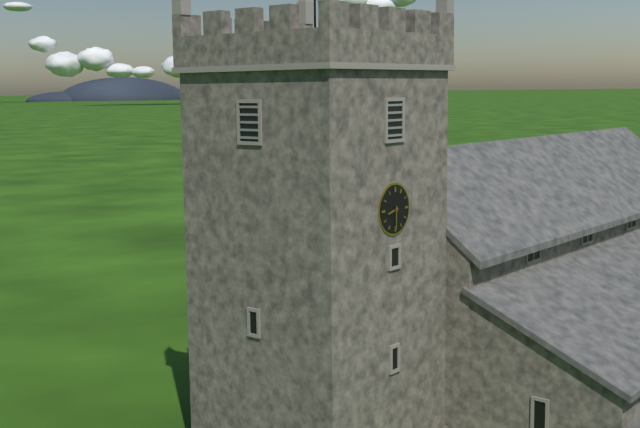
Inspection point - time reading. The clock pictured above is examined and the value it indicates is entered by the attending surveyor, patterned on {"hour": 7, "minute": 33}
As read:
{"hour": 8, "minute": 30}
